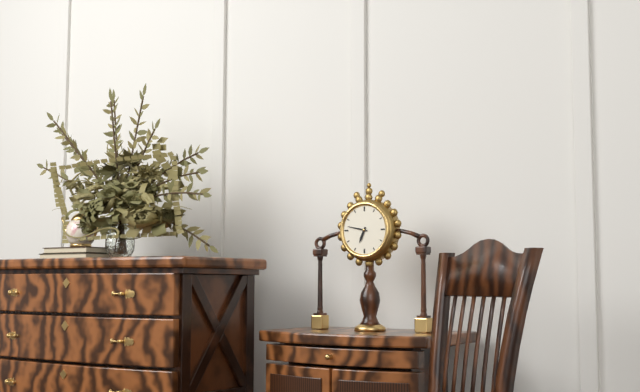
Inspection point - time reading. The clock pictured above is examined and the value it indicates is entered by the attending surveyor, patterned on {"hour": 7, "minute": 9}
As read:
{"hour": 6, "minute": 47}
